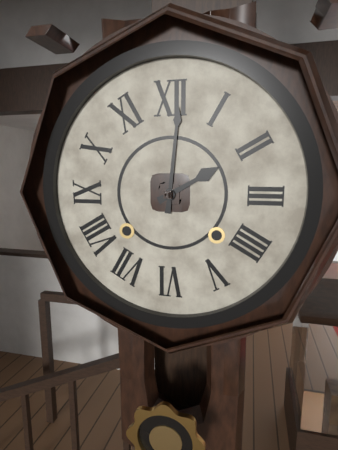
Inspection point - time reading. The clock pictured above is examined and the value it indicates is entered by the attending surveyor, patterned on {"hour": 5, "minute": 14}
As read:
{"hour": 2, "minute": 1}
